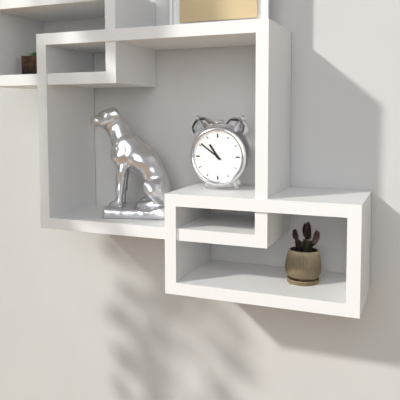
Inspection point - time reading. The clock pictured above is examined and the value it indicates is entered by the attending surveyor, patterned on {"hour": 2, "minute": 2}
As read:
{"hour": 10, "minute": 51}
